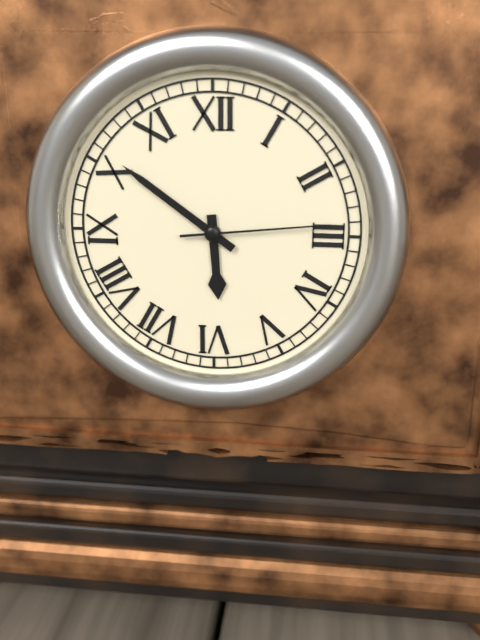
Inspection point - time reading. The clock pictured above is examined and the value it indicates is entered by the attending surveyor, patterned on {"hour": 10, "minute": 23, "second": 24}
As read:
{"hour": 5, "minute": 51, "second": 14}
